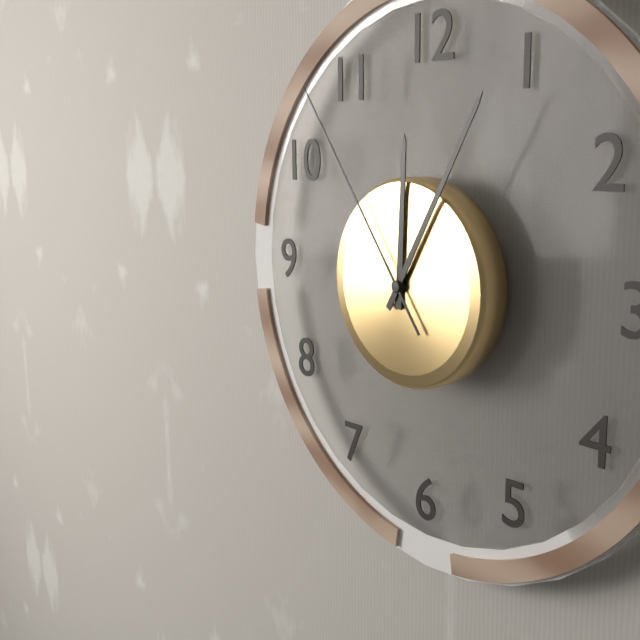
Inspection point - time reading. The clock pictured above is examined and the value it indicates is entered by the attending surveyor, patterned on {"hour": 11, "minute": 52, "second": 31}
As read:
{"hour": 12, "minute": 5, "second": 54}
